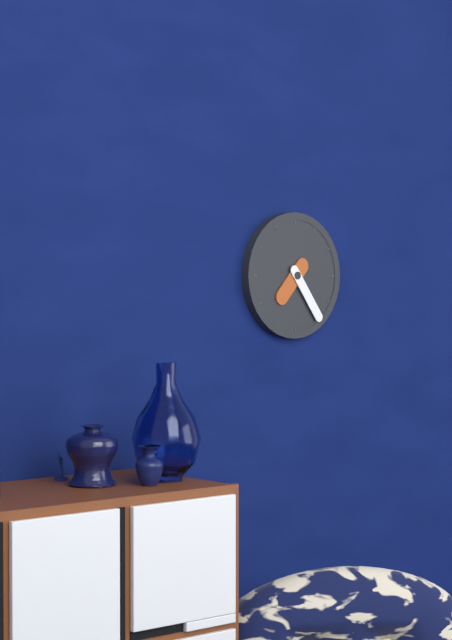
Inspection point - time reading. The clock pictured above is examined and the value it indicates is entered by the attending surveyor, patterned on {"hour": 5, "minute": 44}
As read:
{"hour": 7, "minute": 24}
